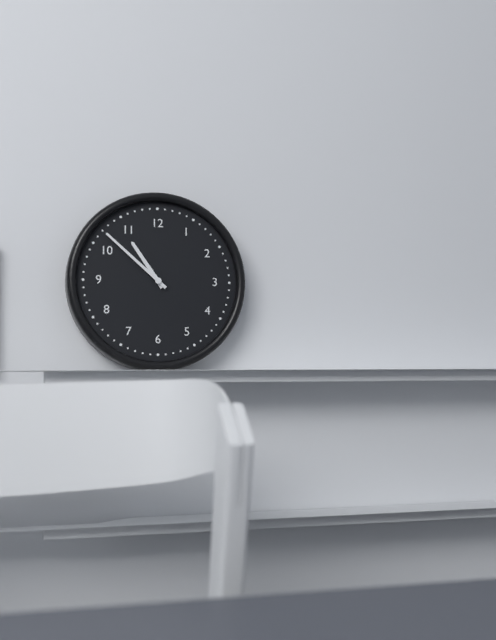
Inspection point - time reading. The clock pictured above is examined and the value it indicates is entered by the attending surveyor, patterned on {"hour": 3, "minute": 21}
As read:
{"hour": 10, "minute": 52}
